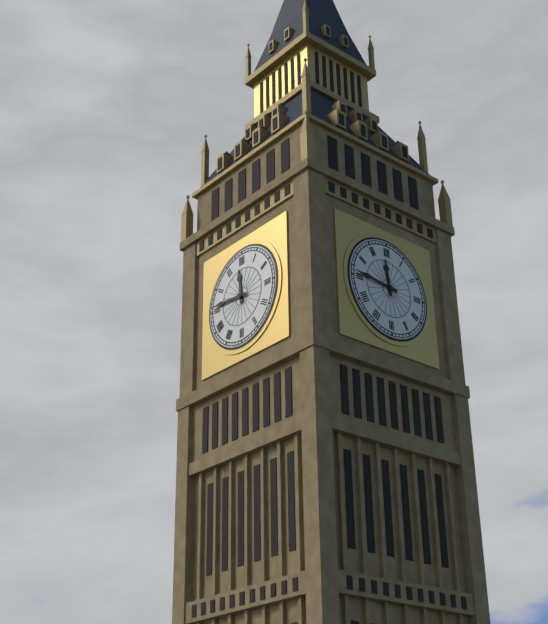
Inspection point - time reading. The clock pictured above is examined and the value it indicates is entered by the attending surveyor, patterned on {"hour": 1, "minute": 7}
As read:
{"hour": 11, "minute": 46}
